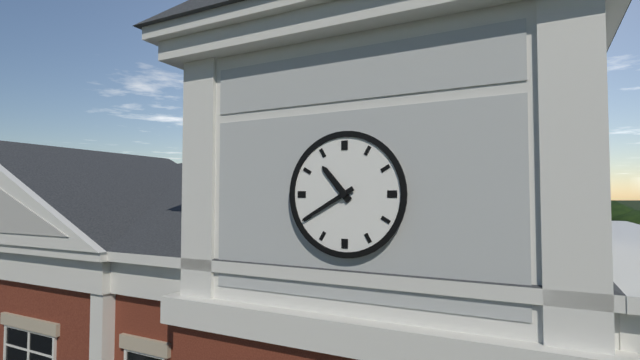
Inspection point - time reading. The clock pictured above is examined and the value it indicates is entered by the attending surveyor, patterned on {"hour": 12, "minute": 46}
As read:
{"hour": 10, "minute": 40}
